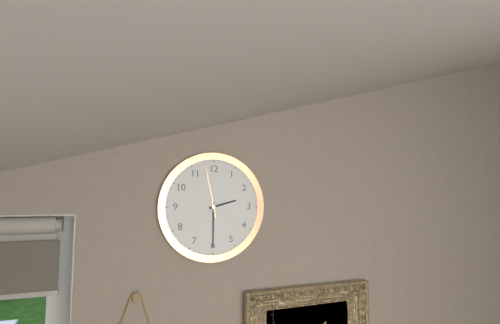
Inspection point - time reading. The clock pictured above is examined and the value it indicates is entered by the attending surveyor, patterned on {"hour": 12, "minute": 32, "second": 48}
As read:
{"hour": 2, "minute": 30, "second": 58}
